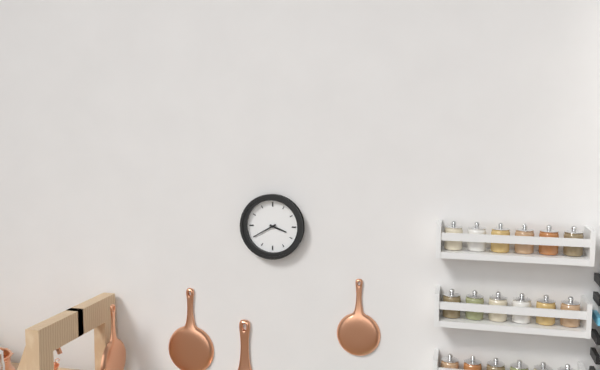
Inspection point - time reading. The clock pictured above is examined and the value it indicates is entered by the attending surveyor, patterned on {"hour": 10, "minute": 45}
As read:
{"hour": 3, "minute": 40}
